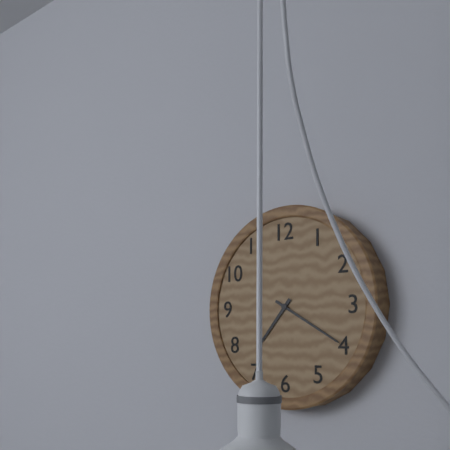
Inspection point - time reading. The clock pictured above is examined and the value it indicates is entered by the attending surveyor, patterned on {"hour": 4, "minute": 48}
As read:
{"hour": 7, "minute": 20}
